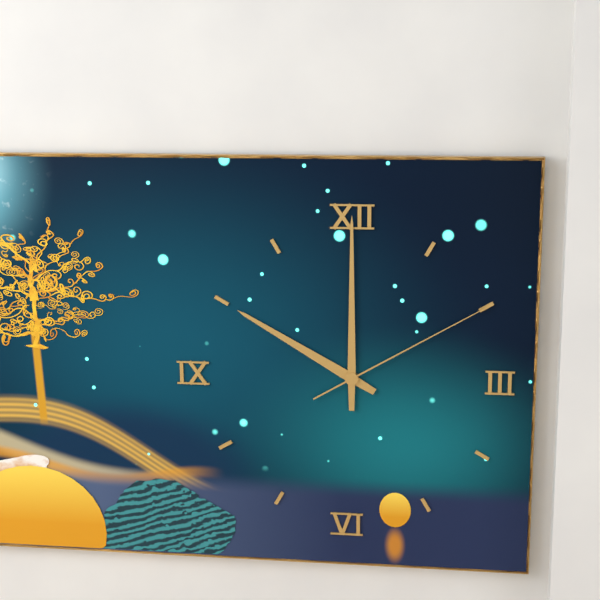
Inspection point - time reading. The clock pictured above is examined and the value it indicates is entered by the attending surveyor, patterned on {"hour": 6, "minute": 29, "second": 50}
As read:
{"hour": 10, "minute": 0, "second": 10}
